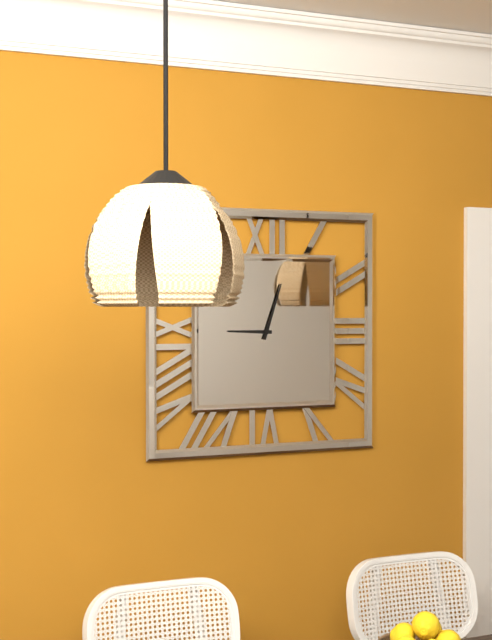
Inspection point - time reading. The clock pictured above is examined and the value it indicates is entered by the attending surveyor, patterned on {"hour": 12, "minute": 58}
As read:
{"hour": 9, "minute": 3}
